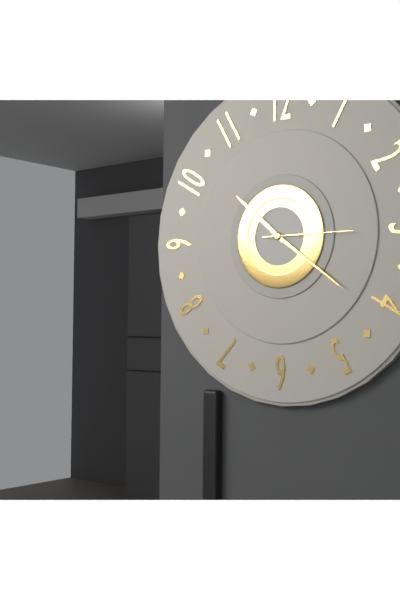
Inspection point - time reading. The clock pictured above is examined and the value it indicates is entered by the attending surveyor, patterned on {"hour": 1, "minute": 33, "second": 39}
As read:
{"hour": 10, "minute": 21, "second": 15}
